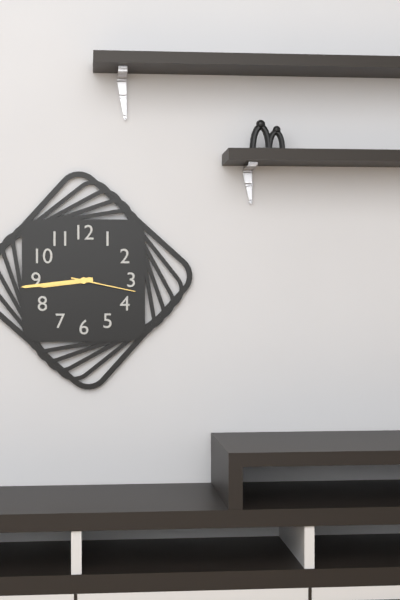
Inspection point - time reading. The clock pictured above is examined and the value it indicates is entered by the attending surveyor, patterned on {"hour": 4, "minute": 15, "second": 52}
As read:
{"hour": 8, "minute": 44, "second": 17}
